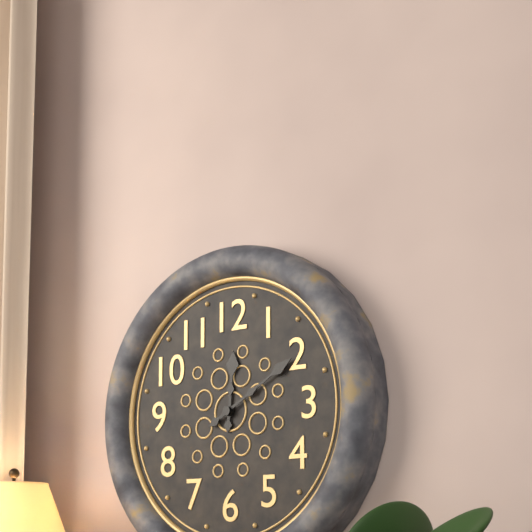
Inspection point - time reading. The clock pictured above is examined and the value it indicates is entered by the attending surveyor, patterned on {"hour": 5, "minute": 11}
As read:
{"hour": 12, "minute": 10}
